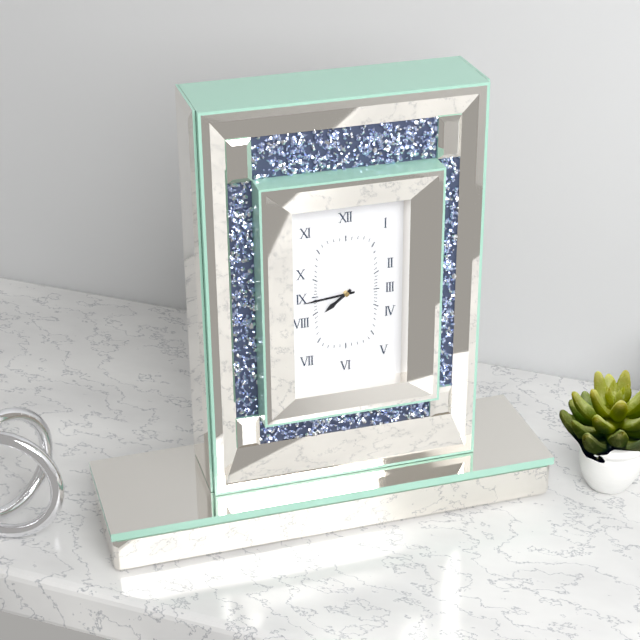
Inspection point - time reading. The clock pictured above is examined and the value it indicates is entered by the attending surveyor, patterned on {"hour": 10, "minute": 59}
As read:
{"hour": 7, "minute": 44}
